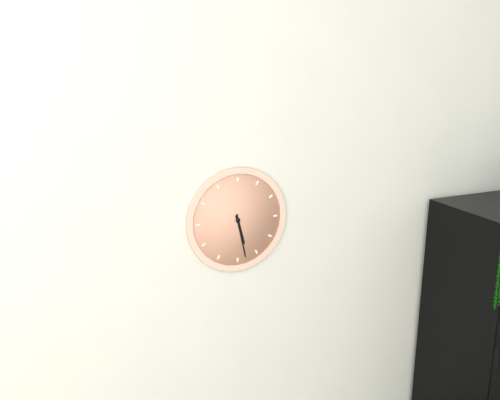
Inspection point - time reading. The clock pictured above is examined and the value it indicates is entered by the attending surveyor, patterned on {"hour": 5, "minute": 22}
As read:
{"hour": 5, "minute": 28}
